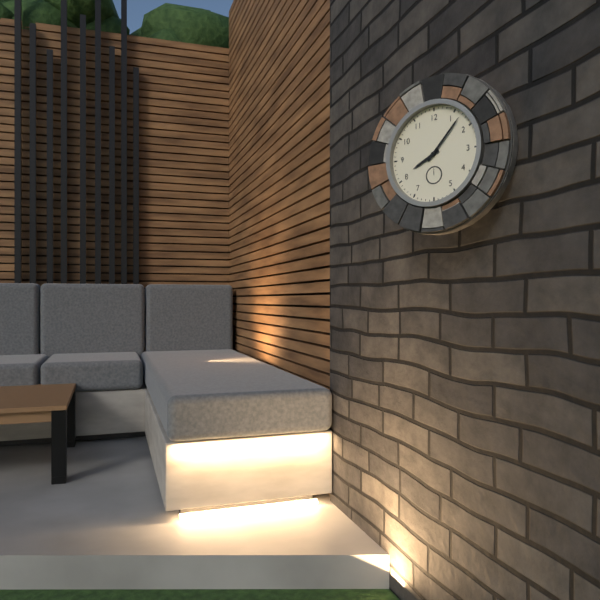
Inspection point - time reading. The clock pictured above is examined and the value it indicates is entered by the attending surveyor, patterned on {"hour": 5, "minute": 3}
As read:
{"hour": 8, "minute": 7}
